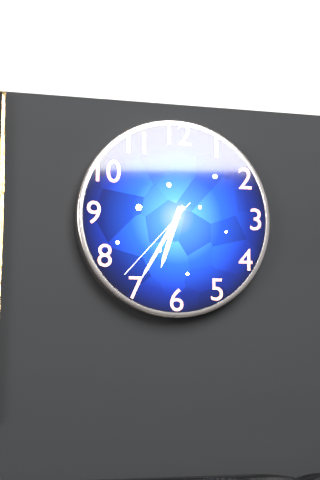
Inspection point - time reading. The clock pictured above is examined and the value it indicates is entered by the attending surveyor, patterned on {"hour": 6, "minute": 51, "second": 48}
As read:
{"hour": 6, "minute": 35, "second": 37}
